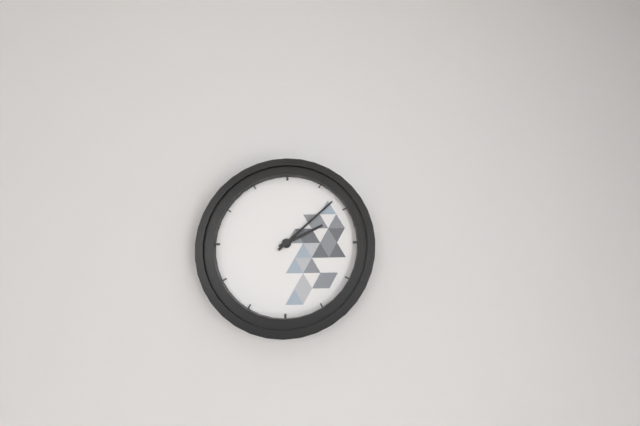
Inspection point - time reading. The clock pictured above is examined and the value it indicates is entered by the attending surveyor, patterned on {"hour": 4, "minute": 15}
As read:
{"hour": 2, "minute": 8}
